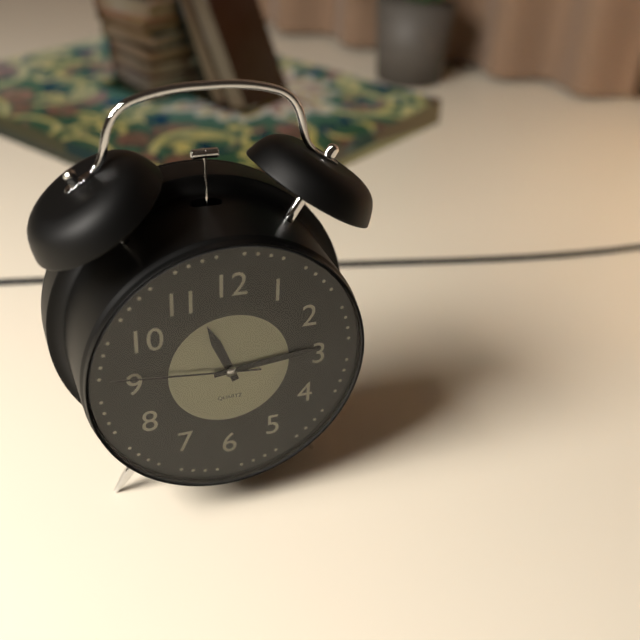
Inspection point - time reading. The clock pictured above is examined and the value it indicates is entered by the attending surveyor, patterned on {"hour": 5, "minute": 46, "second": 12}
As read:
{"hour": 11, "minute": 14, "second": 46}
